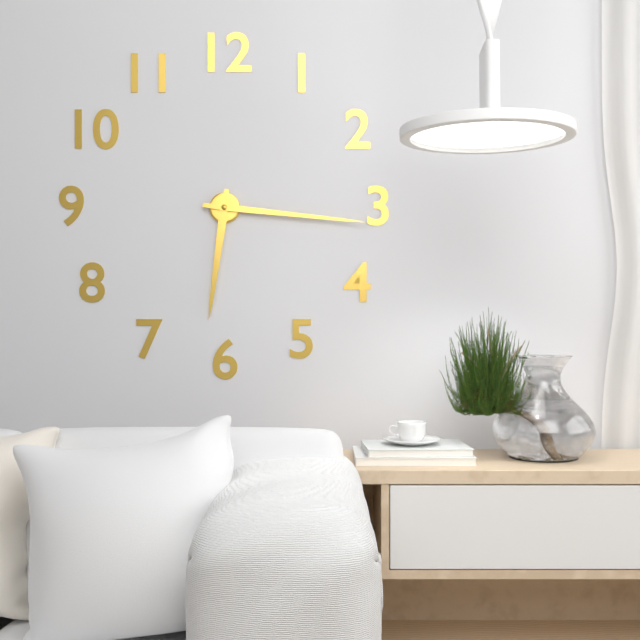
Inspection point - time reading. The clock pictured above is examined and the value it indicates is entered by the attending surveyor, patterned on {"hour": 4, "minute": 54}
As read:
{"hour": 6, "minute": 16}
